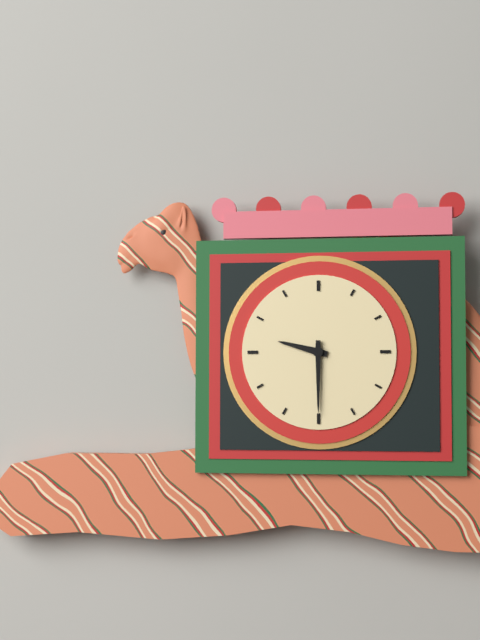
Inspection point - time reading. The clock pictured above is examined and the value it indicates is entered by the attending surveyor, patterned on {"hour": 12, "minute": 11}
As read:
{"hour": 9, "minute": 30}
